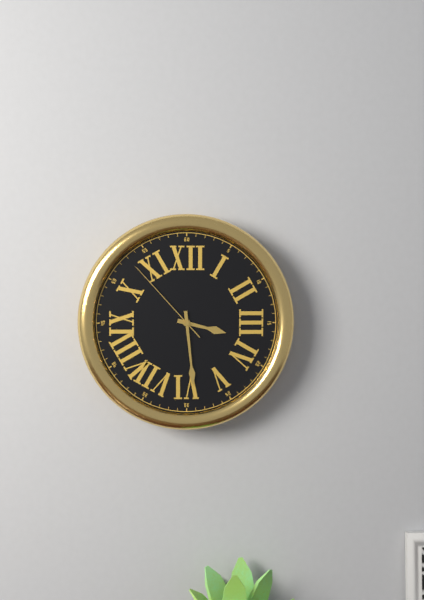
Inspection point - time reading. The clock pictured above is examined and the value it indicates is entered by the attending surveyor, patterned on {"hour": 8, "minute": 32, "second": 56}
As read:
{"hour": 3, "minute": 29, "second": 53}
